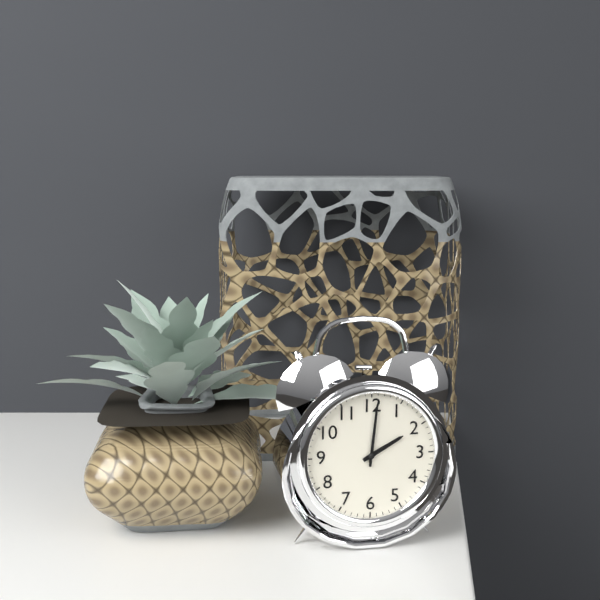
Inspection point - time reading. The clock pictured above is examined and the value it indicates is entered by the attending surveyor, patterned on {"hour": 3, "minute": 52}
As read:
{"hour": 2, "minute": 1}
